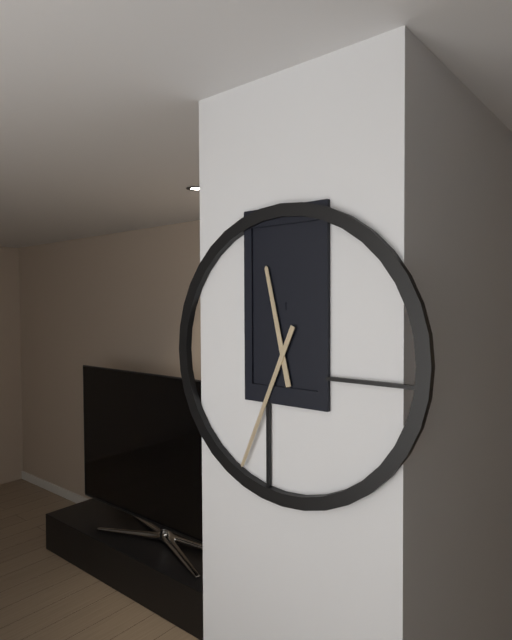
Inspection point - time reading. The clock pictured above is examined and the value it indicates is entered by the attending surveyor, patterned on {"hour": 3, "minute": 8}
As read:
{"hour": 11, "minute": 34}
